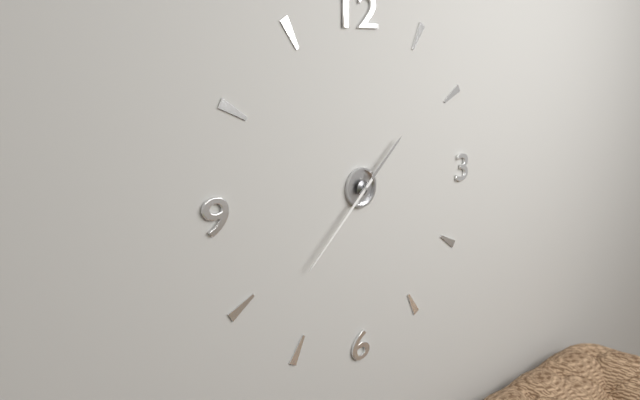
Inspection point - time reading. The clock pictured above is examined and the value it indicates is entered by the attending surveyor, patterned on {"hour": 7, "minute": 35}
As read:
{"hour": 1, "minute": 38}
